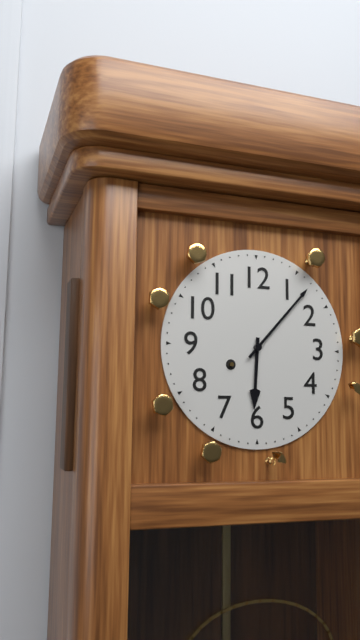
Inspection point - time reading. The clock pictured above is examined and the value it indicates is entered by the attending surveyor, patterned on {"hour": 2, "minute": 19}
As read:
{"hour": 6, "minute": 7}
